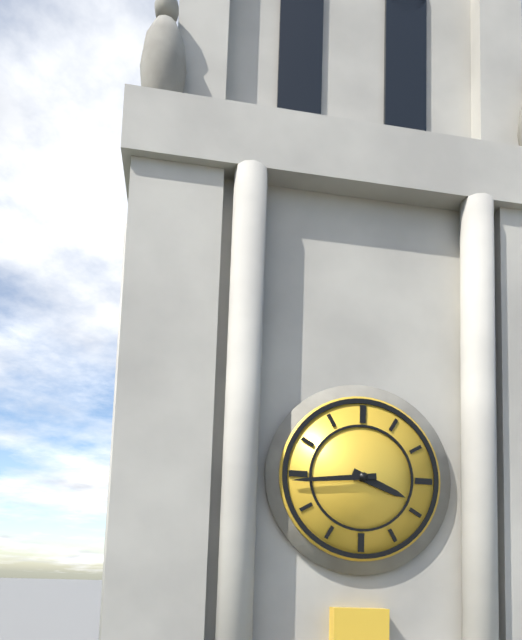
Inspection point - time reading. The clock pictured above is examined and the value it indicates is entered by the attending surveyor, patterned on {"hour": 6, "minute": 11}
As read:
{"hour": 3, "minute": 44}
